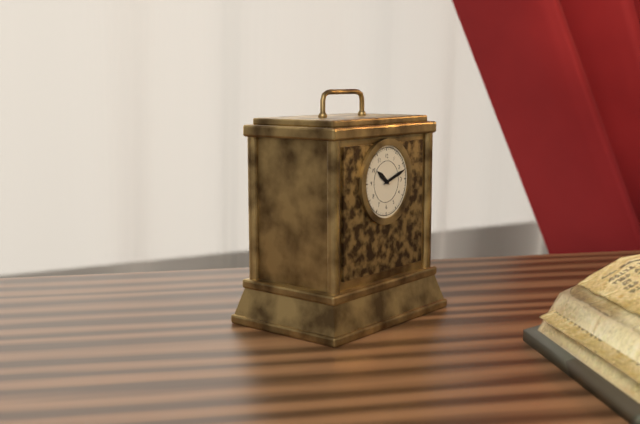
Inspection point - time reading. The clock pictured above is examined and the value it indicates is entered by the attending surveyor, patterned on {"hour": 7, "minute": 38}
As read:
{"hour": 10, "minute": 12}
